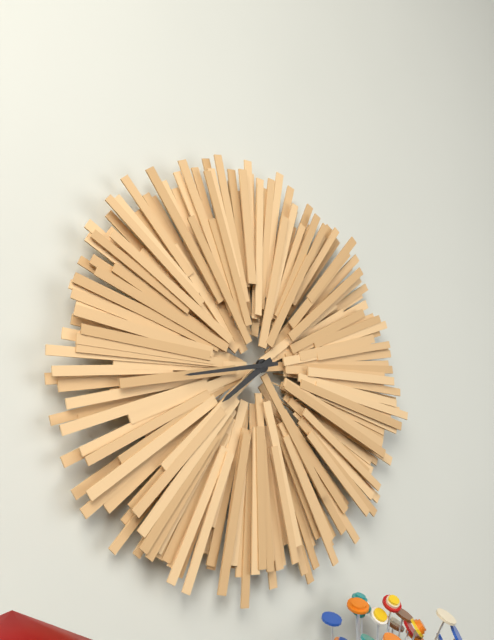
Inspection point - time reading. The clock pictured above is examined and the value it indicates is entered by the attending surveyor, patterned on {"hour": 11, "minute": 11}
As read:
{"hour": 7, "minute": 43}
